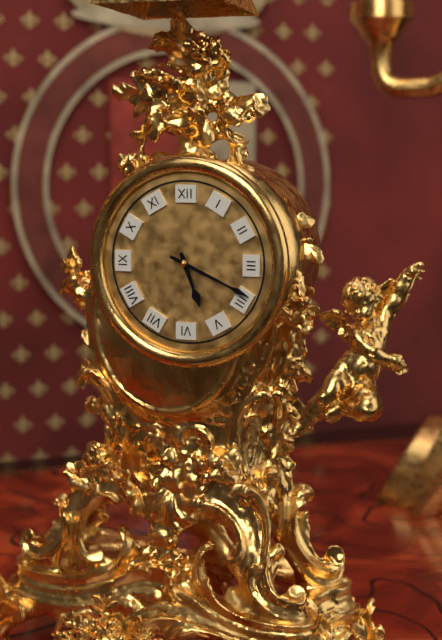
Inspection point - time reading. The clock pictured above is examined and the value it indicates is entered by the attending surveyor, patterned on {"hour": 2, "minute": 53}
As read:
{"hour": 5, "minute": 19}
